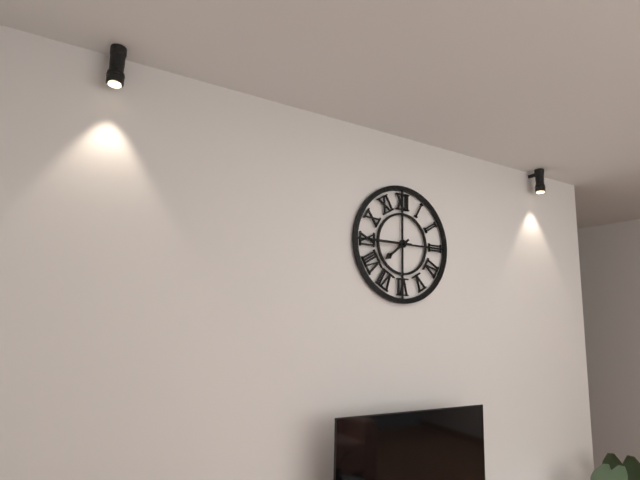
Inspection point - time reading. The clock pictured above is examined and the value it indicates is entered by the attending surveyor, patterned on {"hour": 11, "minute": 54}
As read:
{"hour": 7, "minute": 45}
